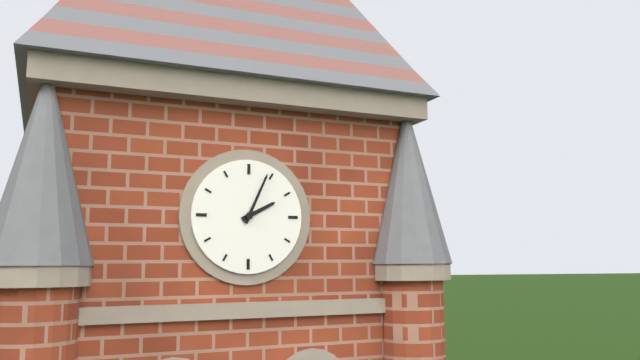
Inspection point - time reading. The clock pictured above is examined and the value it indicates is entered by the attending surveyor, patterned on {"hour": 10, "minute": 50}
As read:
{"hour": 2, "minute": 4}
